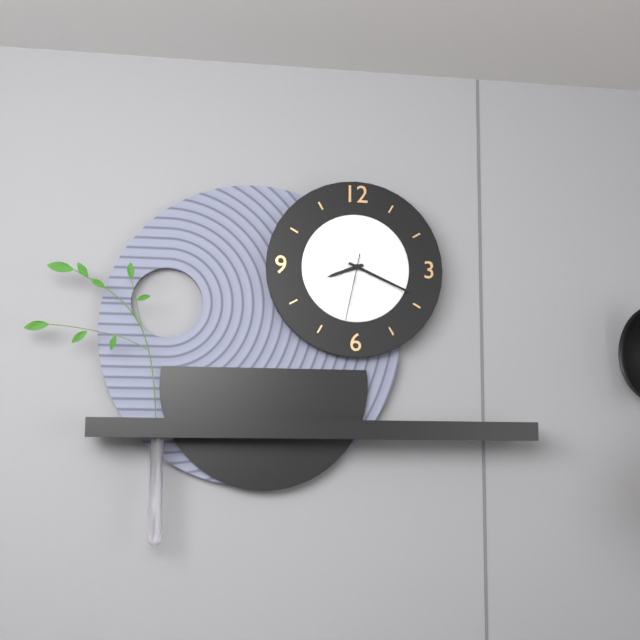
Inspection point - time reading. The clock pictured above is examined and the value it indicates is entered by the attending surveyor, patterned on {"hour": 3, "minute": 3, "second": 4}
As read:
{"hour": 8, "minute": 19, "second": 32}
